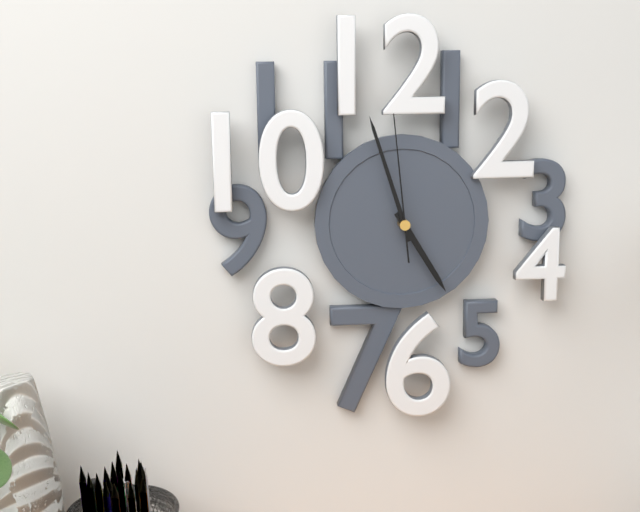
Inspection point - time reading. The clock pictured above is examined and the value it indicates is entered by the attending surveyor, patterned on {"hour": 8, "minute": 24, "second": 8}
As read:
{"hour": 4, "minute": 57, "second": 59}
